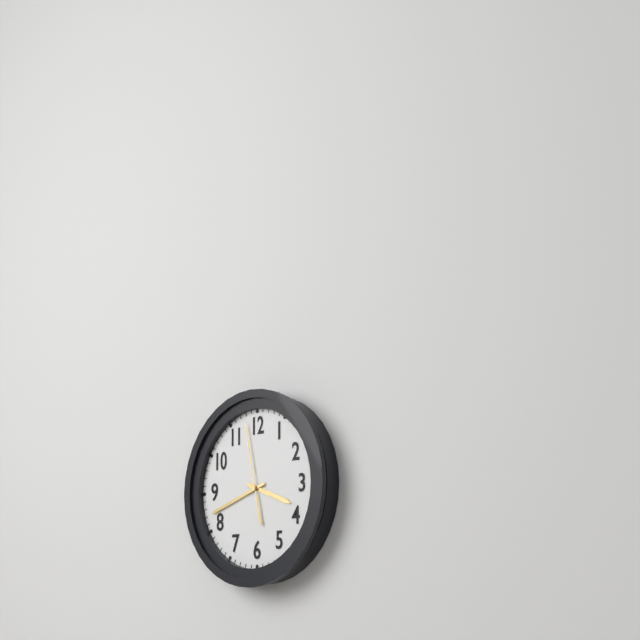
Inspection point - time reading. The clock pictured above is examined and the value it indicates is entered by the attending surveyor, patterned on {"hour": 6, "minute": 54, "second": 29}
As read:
{"hour": 3, "minute": 42, "second": 58}
